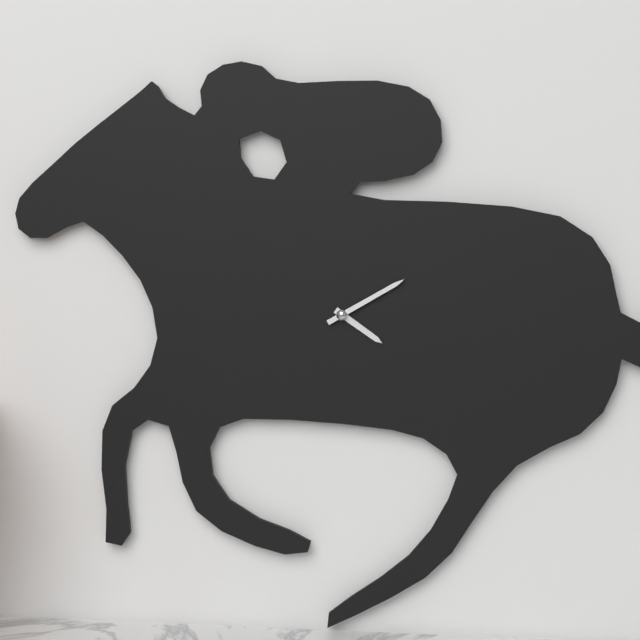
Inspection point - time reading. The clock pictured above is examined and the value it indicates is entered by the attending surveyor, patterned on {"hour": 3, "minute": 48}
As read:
{"hour": 4, "minute": 10}
